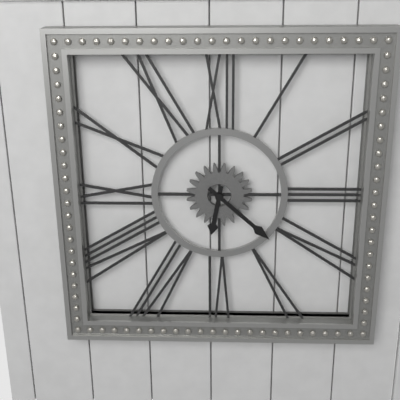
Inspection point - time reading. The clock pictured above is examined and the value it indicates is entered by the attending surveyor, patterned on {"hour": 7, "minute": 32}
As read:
{"hour": 6, "minute": 22}
